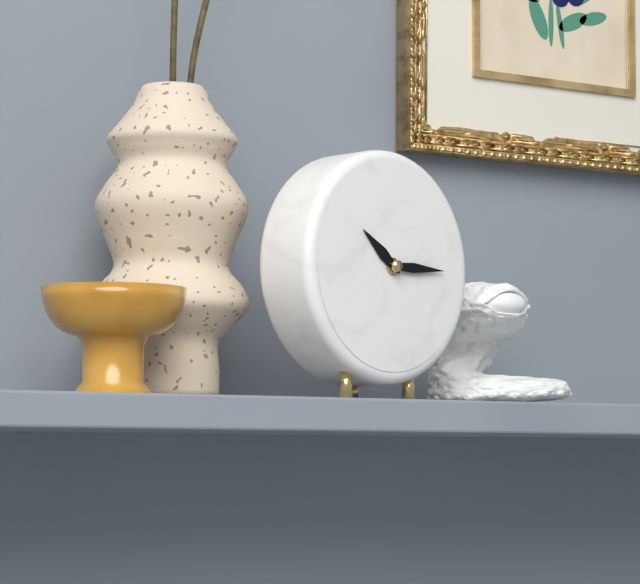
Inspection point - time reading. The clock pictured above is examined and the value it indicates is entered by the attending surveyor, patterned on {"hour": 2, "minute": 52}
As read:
{"hour": 10, "minute": 15}
